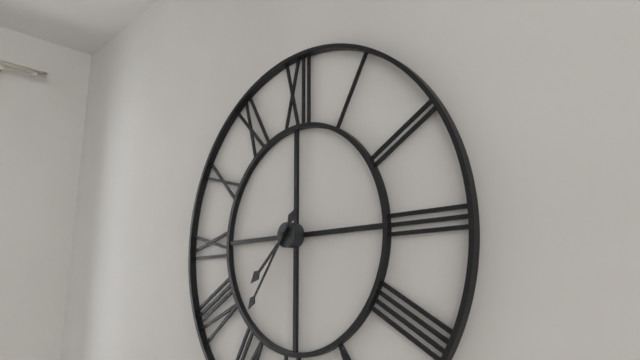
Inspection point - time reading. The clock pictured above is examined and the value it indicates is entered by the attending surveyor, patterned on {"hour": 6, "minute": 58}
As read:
{"hour": 7, "minute": 36}
